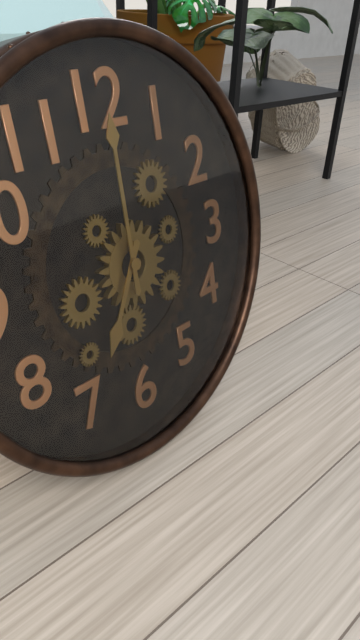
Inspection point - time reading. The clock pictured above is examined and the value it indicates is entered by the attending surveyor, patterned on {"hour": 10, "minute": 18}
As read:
{"hour": 7, "minute": 0}
